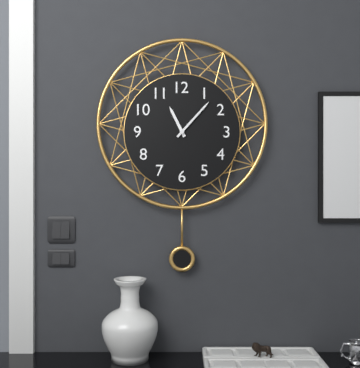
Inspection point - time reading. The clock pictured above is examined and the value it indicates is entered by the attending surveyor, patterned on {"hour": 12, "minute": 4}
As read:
{"hour": 11, "minute": 7}
